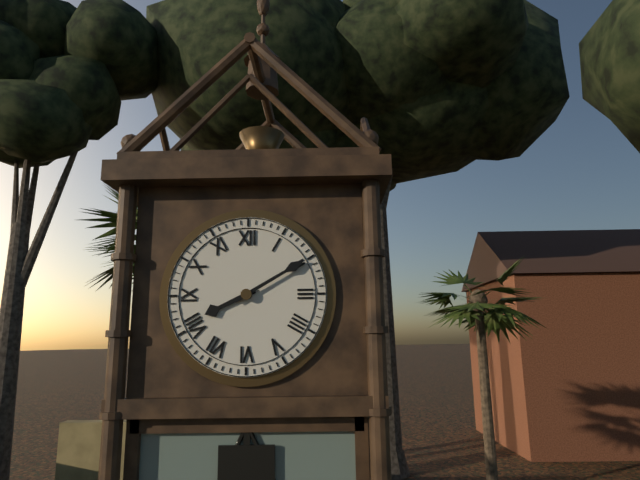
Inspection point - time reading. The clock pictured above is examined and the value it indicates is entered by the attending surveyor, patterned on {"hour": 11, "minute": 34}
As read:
{"hour": 8, "minute": 10}
